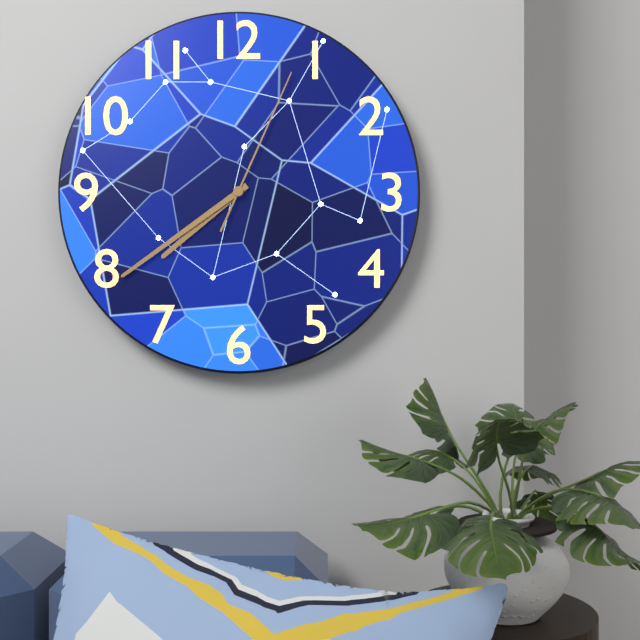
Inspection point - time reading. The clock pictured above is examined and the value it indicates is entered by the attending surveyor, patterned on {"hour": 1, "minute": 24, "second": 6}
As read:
{"hour": 7, "minute": 39, "second": 4}
